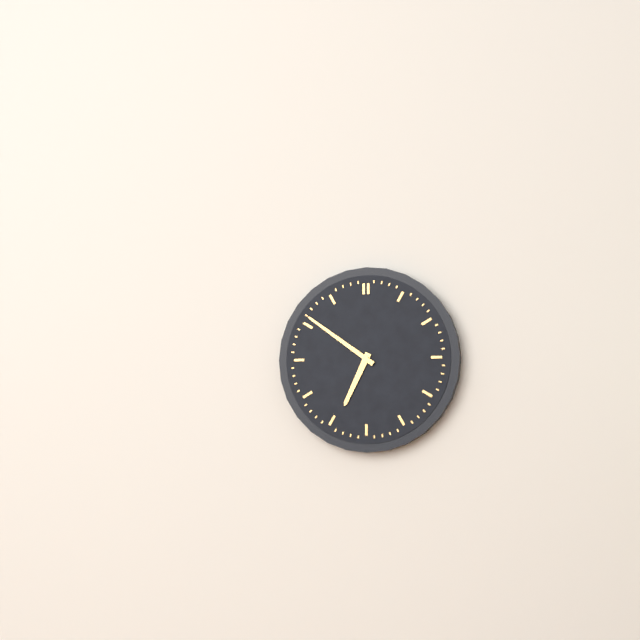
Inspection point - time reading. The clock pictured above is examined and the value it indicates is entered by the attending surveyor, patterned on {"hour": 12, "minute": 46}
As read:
{"hour": 6, "minute": 51}
